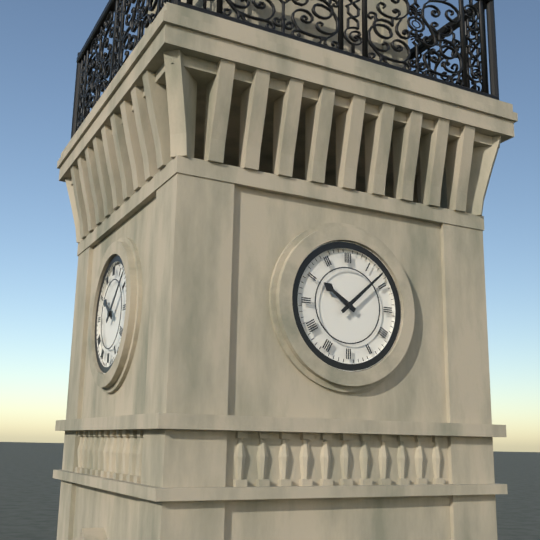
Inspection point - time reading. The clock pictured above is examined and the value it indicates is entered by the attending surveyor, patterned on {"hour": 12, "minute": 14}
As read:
{"hour": 10, "minute": 8}
